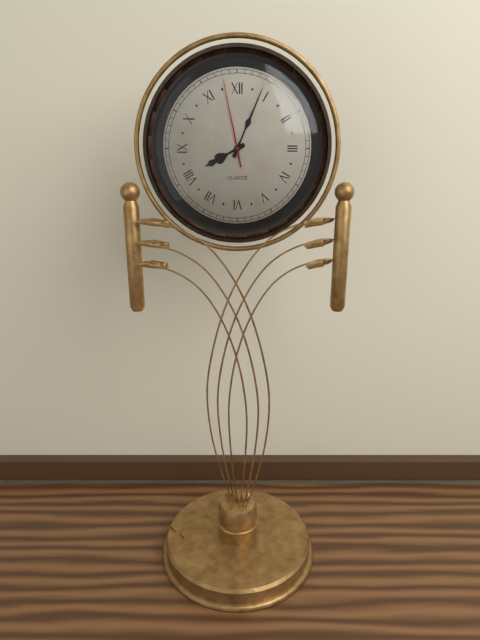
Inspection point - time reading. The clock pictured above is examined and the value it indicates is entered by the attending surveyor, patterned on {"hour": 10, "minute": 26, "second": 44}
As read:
{"hour": 8, "minute": 4, "second": 58}
